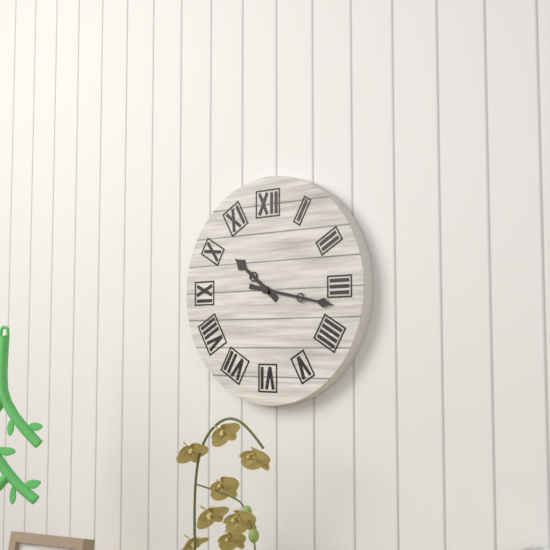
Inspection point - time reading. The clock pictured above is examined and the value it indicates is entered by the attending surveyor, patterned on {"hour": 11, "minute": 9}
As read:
{"hour": 10, "minute": 17}
